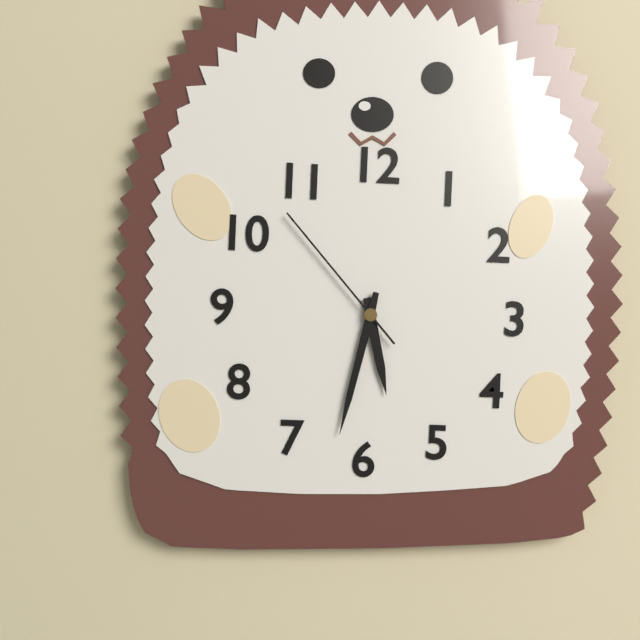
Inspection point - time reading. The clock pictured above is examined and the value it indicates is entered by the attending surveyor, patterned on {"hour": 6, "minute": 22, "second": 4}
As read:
{"hour": 5, "minute": 32, "second": 53}
